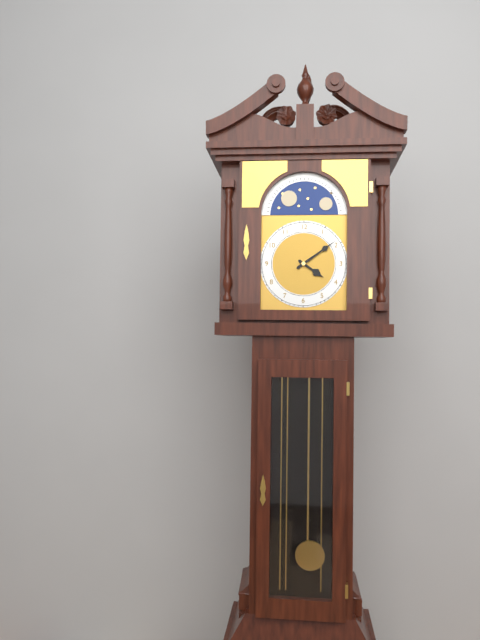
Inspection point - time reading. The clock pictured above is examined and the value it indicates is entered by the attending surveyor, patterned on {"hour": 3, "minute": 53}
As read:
{"hour": 4, "minute": 9}
